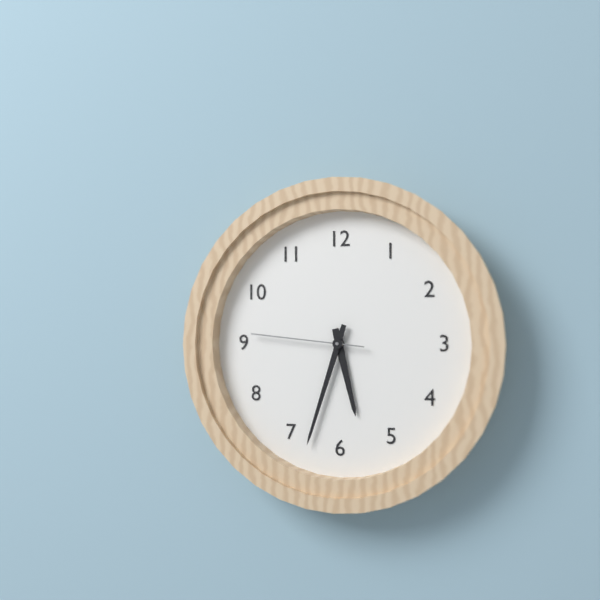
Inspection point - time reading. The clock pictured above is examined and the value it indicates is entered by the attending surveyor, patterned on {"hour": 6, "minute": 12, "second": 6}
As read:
{"hour": 5, "minute": 33, "second": 46}
